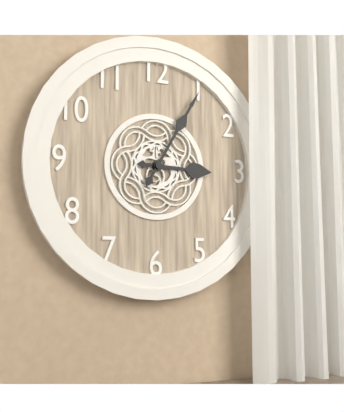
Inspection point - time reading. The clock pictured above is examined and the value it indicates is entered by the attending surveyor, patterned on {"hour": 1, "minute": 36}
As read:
{"hour": 3, "minute": 5}
